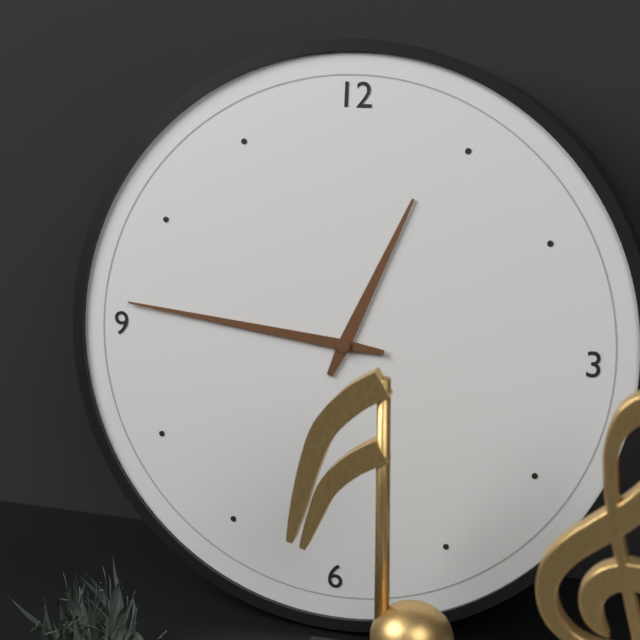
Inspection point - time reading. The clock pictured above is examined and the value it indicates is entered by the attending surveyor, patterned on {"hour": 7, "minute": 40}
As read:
{"hour": 12, "minute": 46}
